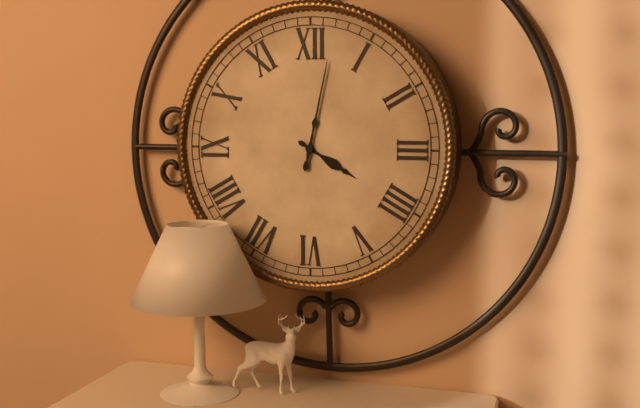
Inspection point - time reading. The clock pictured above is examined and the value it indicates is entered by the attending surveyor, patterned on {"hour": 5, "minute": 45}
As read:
{"hour": 4, "minute": 2}
